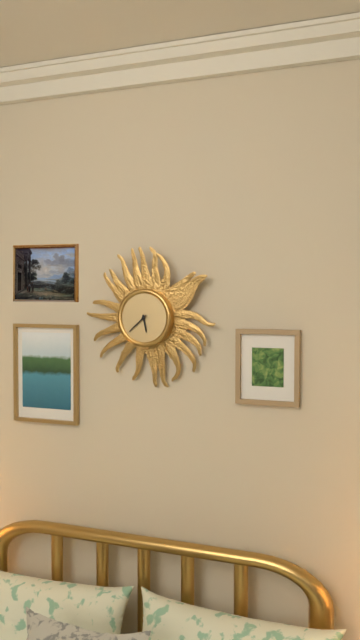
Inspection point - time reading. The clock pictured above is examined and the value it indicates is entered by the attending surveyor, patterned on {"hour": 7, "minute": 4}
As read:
{"hour": 5, "minute": 38}
